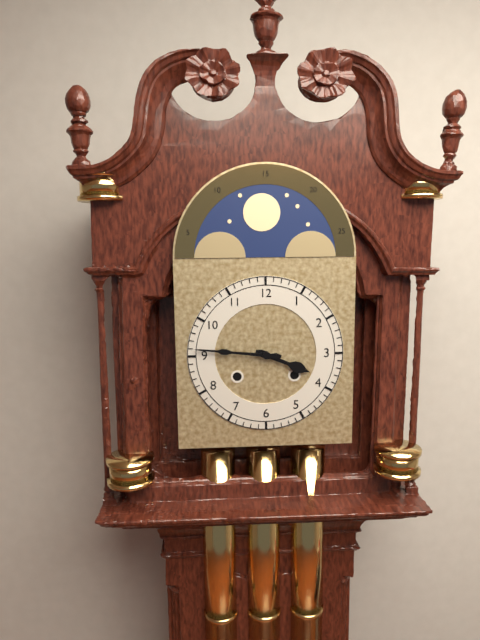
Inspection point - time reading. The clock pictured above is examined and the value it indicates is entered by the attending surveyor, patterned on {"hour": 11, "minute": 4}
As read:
{"hour": 3, "minute": 46}
